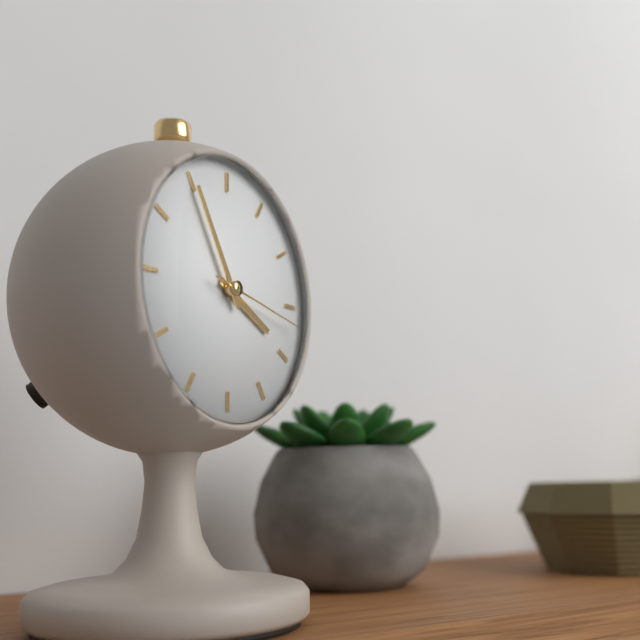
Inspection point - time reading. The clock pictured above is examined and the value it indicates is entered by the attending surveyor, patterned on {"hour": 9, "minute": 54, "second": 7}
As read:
{"hour": 3, "minute": 55, "second": 17}
